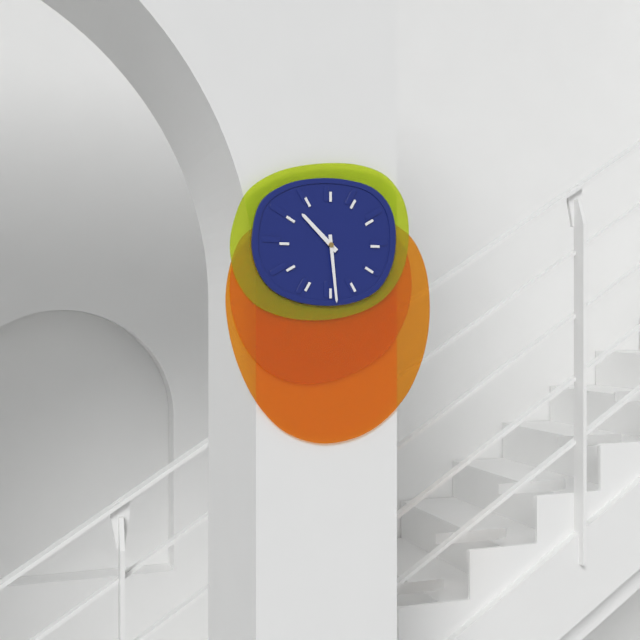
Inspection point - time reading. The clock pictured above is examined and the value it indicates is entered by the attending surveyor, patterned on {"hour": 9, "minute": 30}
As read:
{"hour": 10, "minute": 29}
